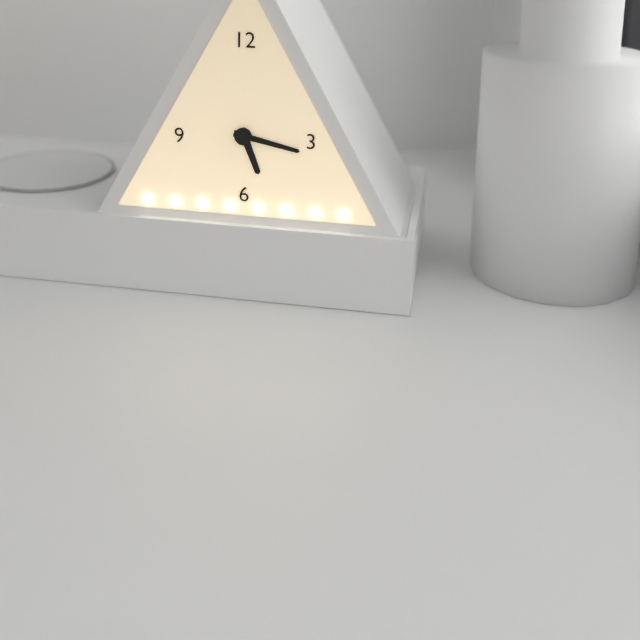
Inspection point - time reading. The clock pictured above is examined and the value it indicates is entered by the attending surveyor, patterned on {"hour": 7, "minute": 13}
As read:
{"hour": 5, "minute": 17}
